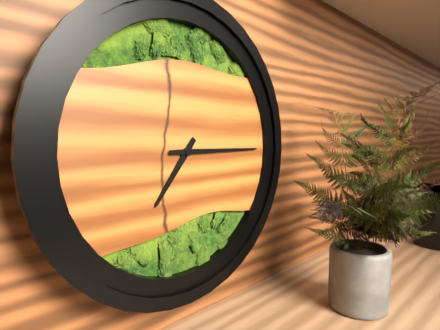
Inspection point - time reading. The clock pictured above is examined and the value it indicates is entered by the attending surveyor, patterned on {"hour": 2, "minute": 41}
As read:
{"hour": 7, "minute": 15}
